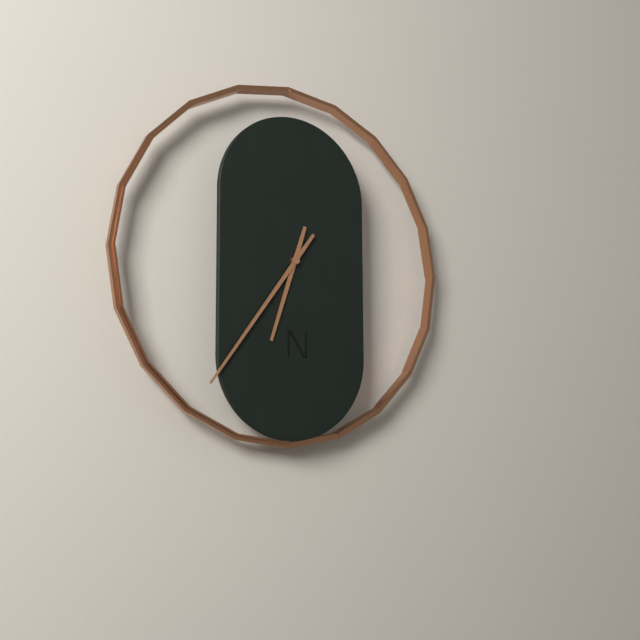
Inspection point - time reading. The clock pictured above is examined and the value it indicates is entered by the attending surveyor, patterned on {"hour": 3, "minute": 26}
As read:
{"hour": 6, "minute": 36}
